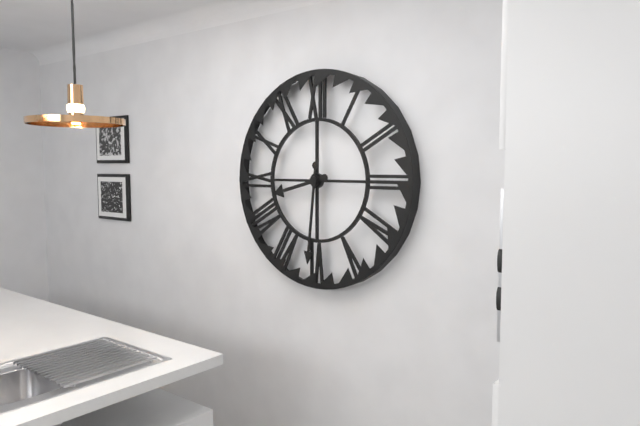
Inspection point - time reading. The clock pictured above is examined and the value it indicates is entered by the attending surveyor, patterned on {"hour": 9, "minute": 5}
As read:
{"hour": 8, "minute": 31}
